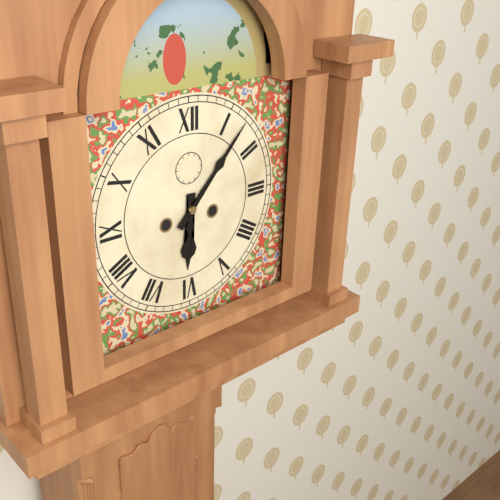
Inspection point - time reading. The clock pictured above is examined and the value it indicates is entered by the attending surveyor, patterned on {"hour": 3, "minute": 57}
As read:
{"hour": 6, "minute": 7}
